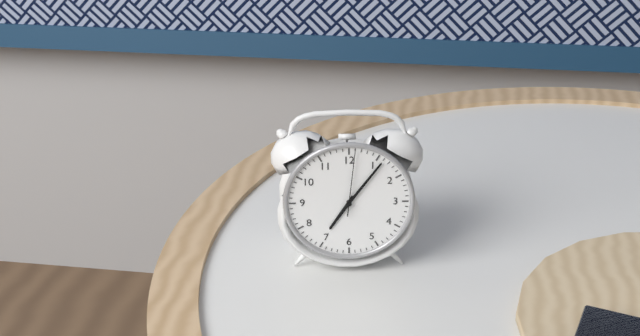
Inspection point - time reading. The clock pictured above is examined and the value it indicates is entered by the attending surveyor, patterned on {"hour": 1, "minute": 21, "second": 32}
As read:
{"hour": 7, "minute": 6, "second": 1}
